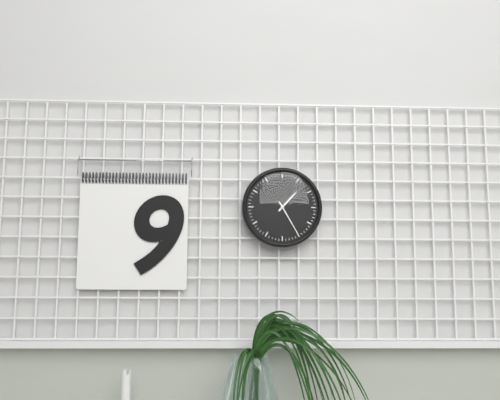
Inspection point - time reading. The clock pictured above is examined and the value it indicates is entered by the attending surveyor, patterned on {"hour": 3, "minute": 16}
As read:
{"hour": 1, "minute": 25}
